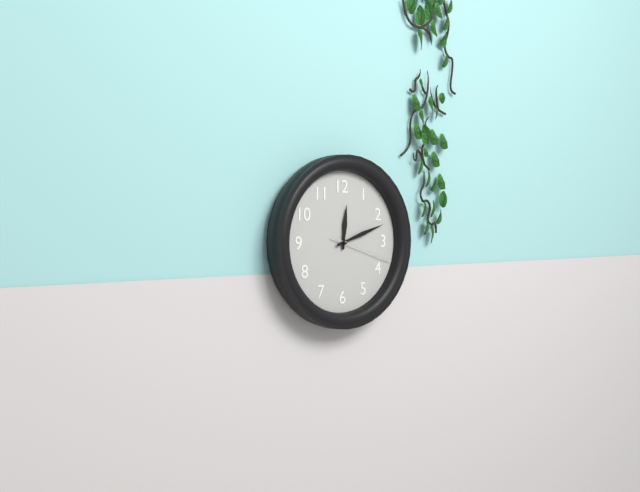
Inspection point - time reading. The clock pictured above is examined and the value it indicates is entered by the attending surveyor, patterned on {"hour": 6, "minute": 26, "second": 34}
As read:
{"hour": 12, "minute": 12, "second": 18}
